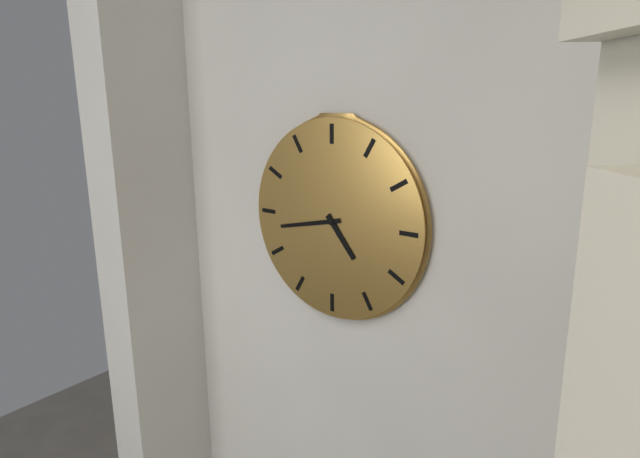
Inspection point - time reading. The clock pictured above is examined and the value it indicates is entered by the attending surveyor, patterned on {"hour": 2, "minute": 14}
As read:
{"hour": 4, "minute": 43}
